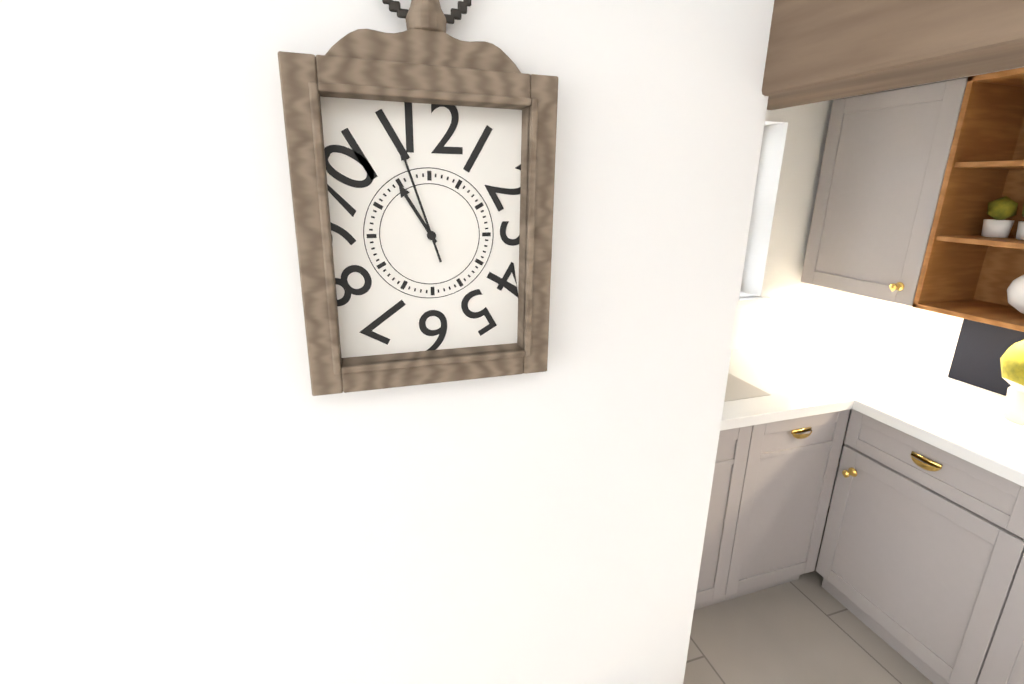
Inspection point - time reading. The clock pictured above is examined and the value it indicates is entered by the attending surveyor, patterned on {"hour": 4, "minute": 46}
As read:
{"hour": 10, "minute": 57}
